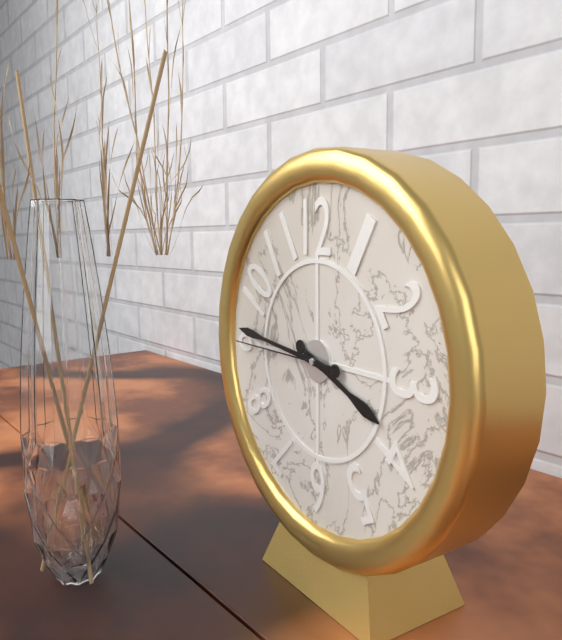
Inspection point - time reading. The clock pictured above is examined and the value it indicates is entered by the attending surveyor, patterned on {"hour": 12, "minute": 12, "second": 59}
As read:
{"hour": 3, "minute": 46, "second": 45}
